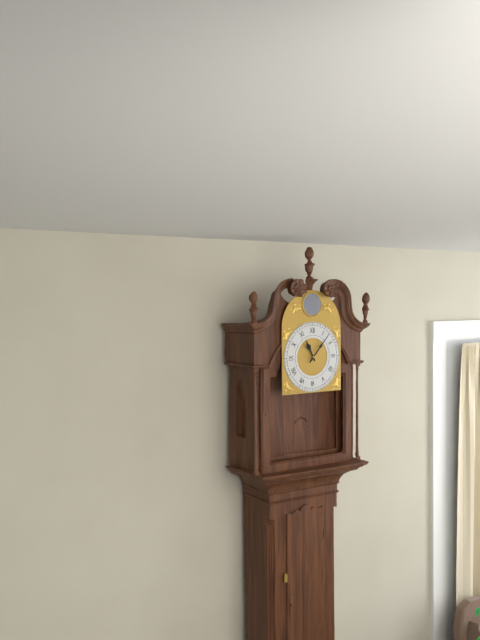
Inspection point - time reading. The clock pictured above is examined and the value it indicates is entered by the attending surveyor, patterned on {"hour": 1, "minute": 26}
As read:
{"hour": 11, "minute": 7}
